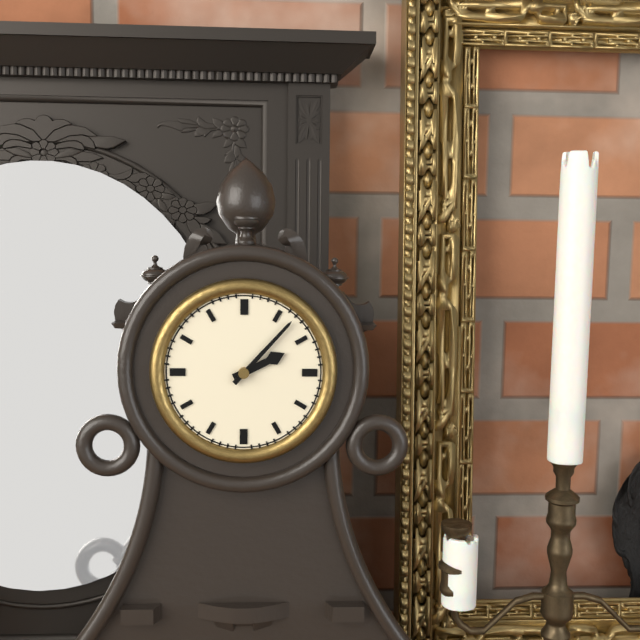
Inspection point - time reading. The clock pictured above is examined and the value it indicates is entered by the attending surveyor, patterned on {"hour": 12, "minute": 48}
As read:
{"hour": 2, "minute": 7}
